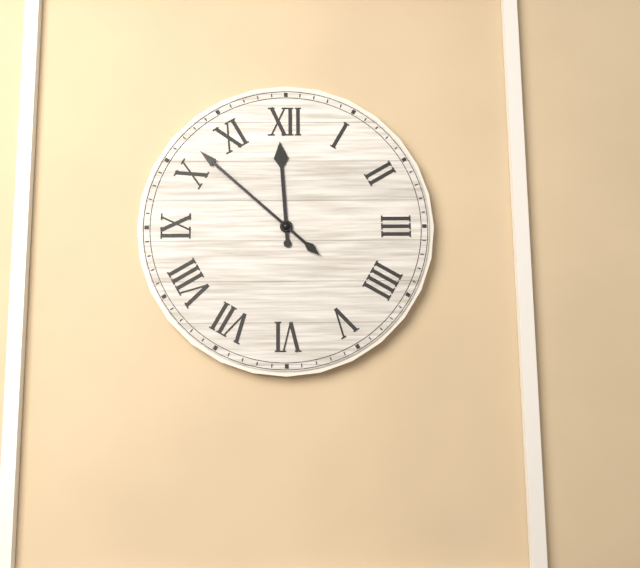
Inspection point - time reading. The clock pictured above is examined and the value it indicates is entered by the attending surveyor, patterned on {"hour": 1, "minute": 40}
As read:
{"hour": 11, "minute": 52}
